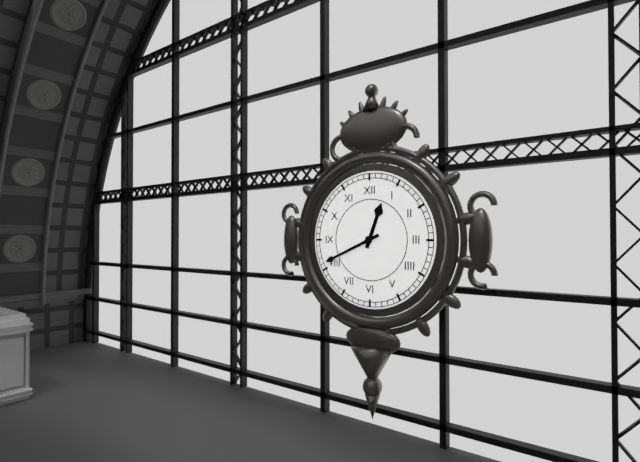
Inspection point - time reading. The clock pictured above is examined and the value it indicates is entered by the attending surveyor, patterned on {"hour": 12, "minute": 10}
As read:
{"hour": 12, "minute": 41}
